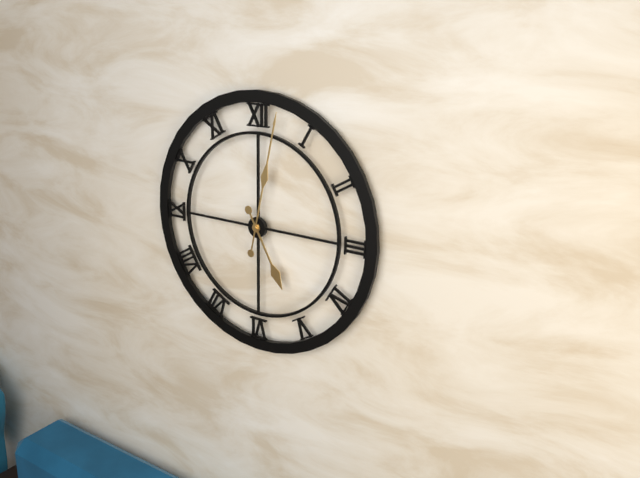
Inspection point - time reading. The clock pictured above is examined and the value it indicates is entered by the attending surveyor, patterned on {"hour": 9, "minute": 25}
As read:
{"hour": 5, "minute": 2}
